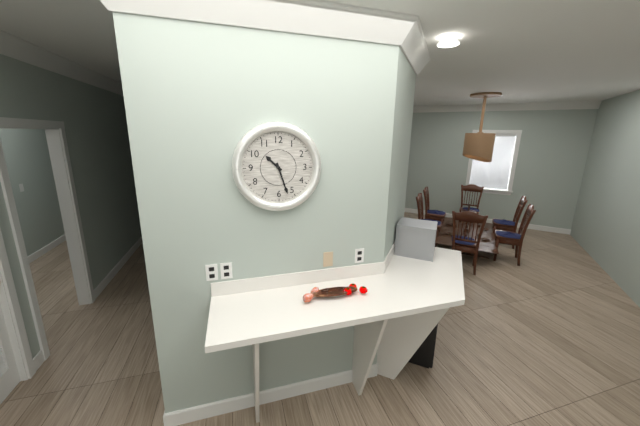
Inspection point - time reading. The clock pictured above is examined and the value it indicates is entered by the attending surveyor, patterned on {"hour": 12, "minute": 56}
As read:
{"hour": 10, "minute": 27}
